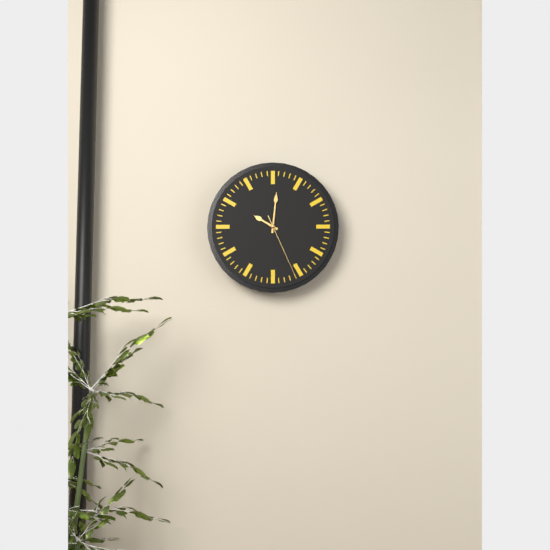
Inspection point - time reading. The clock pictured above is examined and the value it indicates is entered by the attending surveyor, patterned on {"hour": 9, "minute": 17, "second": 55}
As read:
{"hour": 10, "minute": 1, "second": 26}
